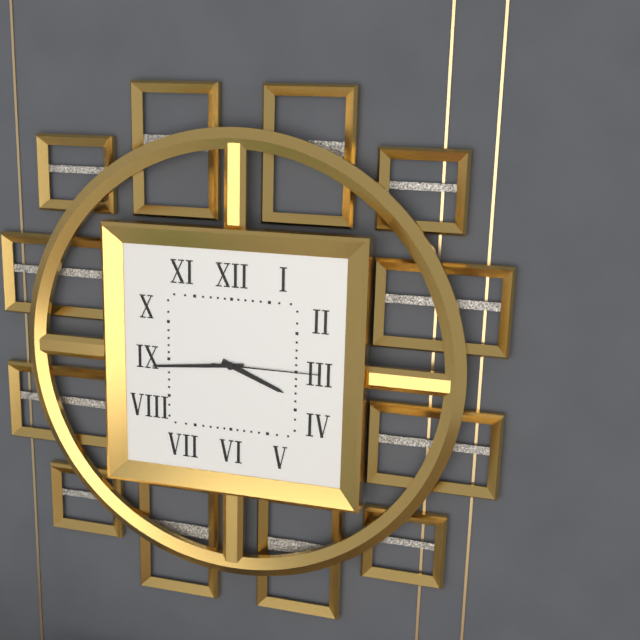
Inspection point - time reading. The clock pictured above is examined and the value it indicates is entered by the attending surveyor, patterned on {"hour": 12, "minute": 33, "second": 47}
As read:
{"hour": 3, "minute": 44, "second": 15}
